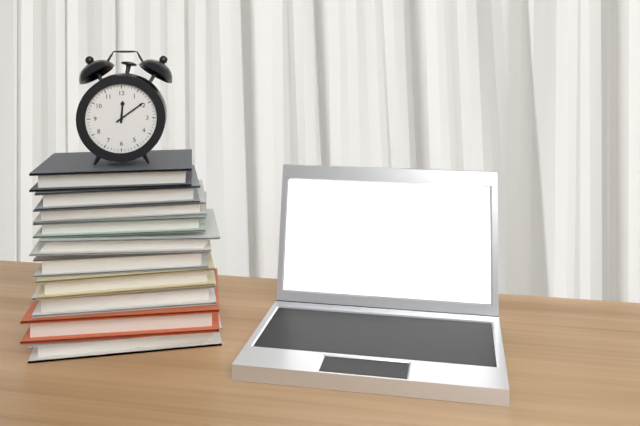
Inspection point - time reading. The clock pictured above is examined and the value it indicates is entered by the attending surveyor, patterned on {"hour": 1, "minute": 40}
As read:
{"hour": 12, "minute": 9}
